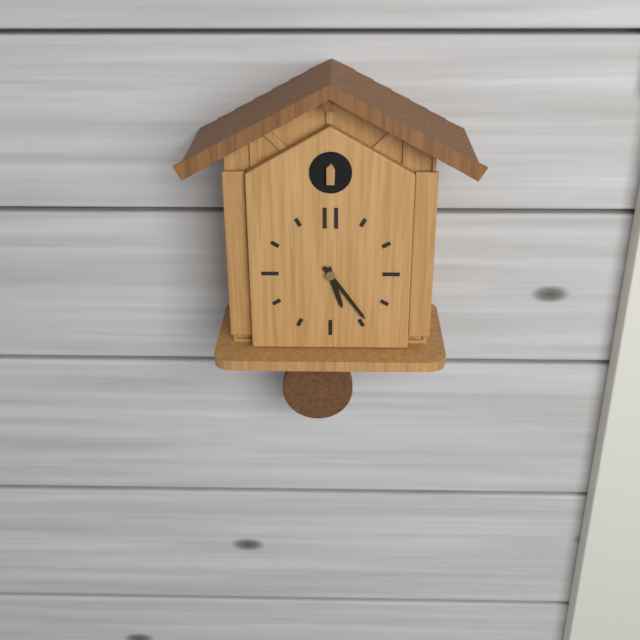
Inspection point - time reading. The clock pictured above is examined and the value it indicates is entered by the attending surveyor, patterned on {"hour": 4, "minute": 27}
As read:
{"hour": 5, "minute": 24}
